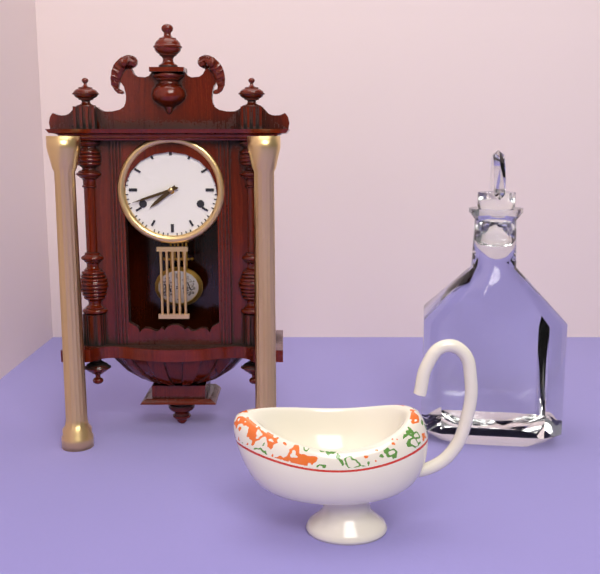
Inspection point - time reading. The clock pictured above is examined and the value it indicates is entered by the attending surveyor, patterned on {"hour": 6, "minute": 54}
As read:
{"hour": 7, "minute": 42}
